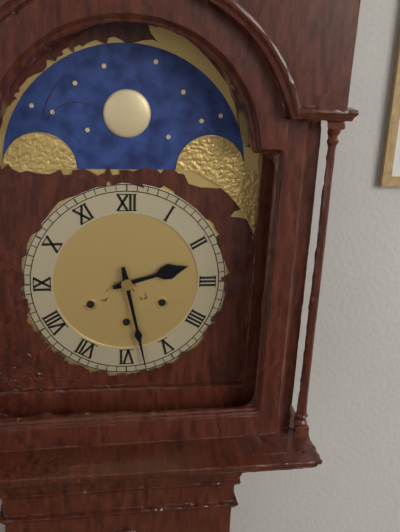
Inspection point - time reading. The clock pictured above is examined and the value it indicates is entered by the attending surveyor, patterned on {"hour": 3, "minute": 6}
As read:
{"hour": 2, "minute": 28}
